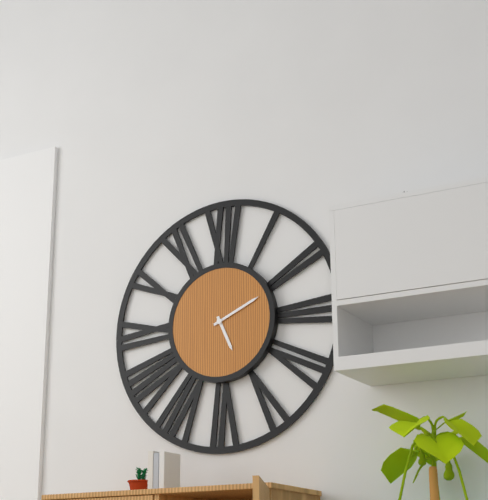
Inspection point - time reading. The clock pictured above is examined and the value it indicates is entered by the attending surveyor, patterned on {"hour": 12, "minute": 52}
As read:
{"hour": 5, "minute": 11}
